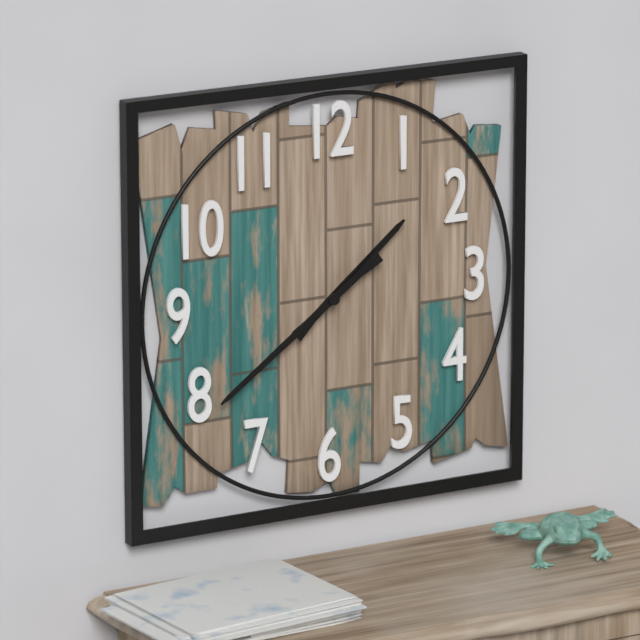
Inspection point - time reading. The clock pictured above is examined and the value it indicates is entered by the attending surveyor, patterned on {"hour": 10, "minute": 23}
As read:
{"hour": 1, "minute": 39}
